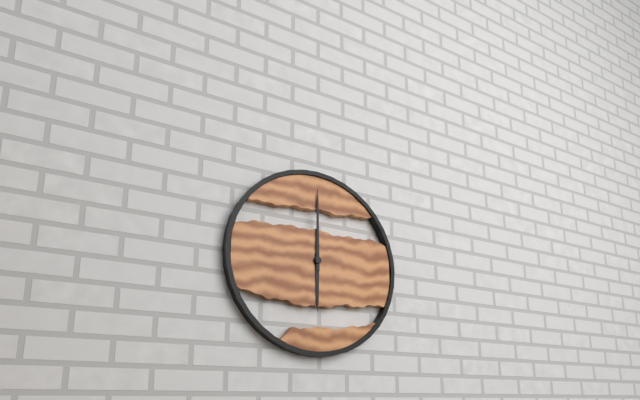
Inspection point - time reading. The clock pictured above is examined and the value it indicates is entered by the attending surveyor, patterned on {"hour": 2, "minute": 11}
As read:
{"hour": 6, "minute": 0}
